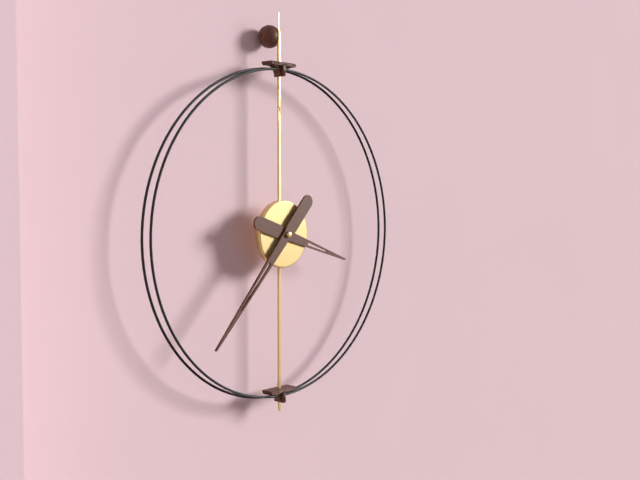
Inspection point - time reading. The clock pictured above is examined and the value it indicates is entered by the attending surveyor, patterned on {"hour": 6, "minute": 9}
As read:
{"hour": 3, "minute": 37}
